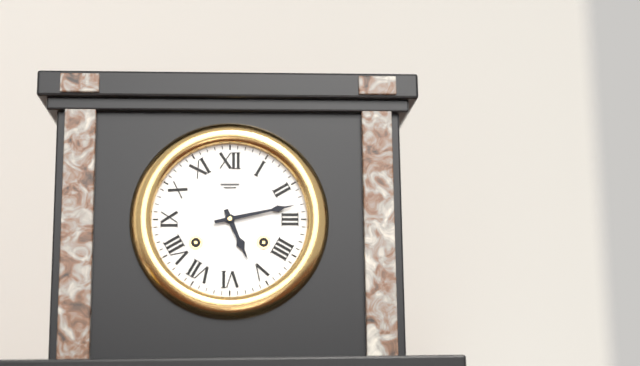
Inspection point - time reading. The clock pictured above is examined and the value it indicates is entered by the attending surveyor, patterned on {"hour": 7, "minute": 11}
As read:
{"hour": 5, "minute": 13}
